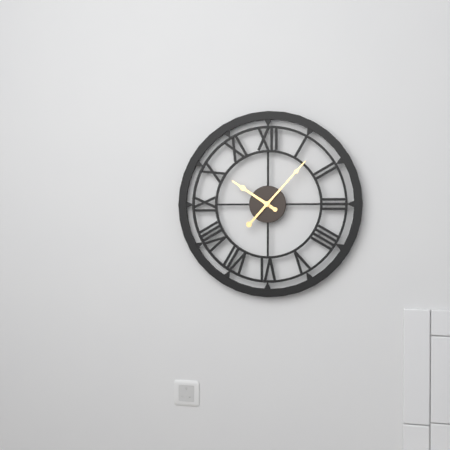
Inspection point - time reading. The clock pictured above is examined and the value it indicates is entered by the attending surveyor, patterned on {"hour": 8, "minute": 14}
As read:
{"hour": 10, "minute": 7}
